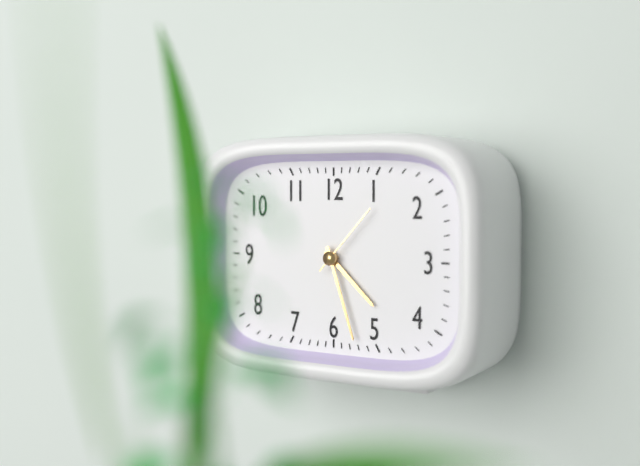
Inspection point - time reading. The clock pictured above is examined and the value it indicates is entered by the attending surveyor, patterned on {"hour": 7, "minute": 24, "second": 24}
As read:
{"hour": 4, "minute": 27, "second": 7}
